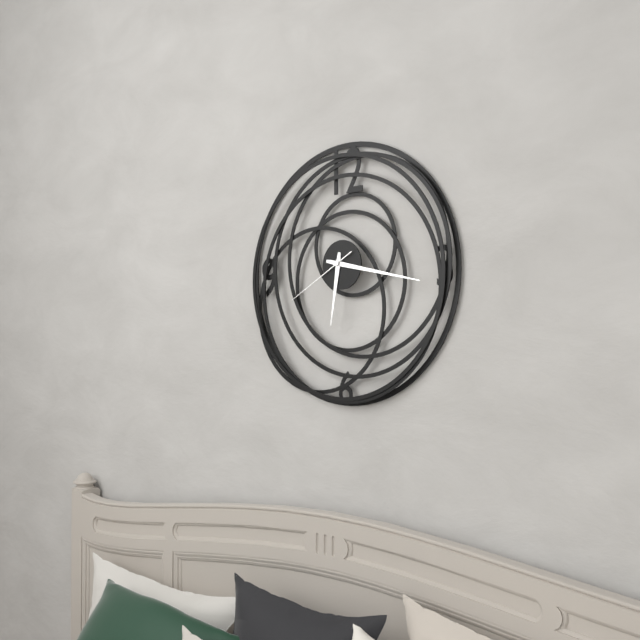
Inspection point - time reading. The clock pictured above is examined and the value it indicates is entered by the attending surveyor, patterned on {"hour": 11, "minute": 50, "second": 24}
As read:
{"hour": 6, "minute": 17, "second": 40}
